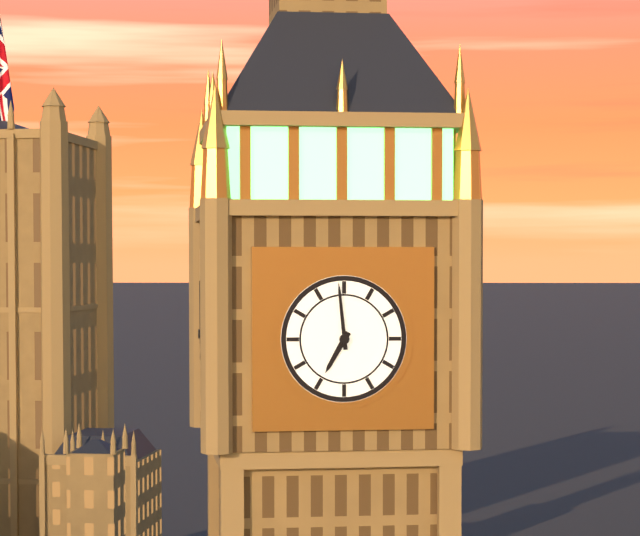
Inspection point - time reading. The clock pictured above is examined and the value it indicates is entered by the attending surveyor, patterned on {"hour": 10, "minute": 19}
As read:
{"hour": 6, "minute": 59}
